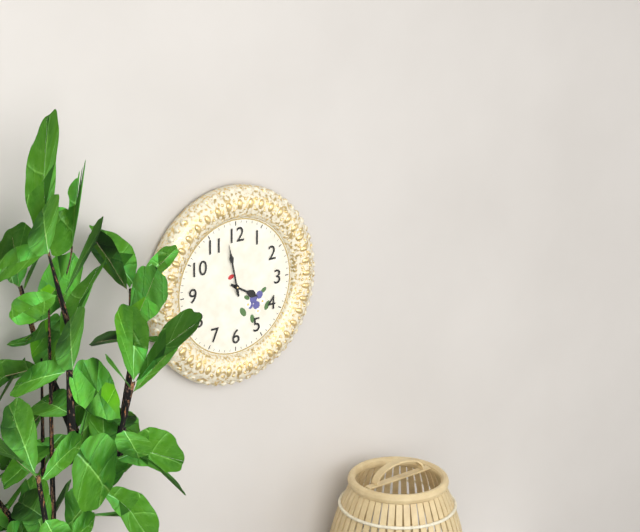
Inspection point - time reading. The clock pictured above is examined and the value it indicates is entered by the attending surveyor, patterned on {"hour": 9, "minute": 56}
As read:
{"hour": 3, "minute": 58}
